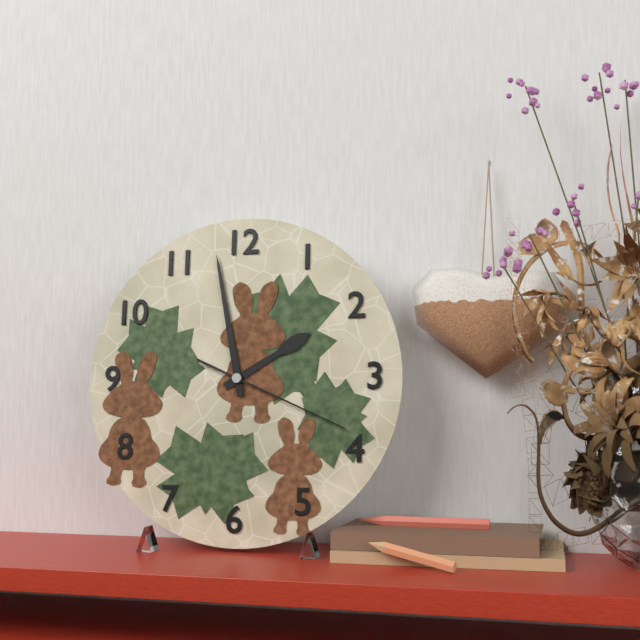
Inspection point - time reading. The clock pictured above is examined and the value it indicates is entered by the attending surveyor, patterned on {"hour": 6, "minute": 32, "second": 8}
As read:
{"hour": 1, "minute": 58, "second": 19}
